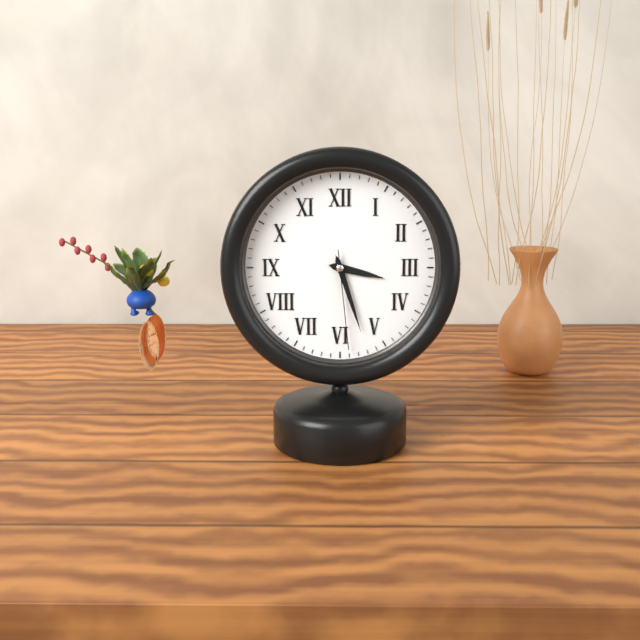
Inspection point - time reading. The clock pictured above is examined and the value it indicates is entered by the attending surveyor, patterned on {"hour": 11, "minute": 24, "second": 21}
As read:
{"hour": 3, "minute": 27, "second": 29}
